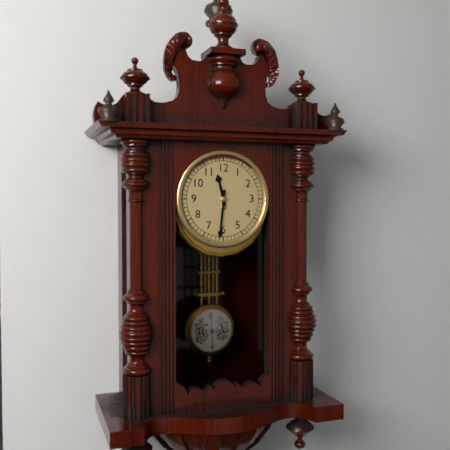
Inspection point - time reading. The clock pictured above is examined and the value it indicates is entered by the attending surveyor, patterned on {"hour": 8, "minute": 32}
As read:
{"hour": 11, "minute": 31}
